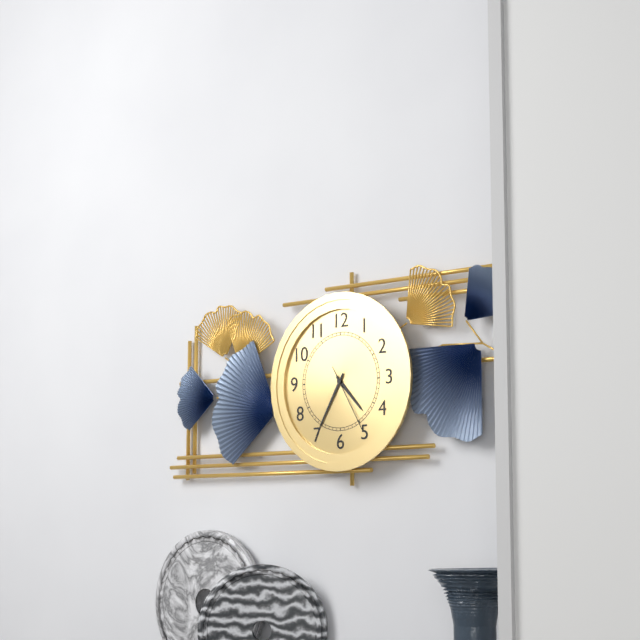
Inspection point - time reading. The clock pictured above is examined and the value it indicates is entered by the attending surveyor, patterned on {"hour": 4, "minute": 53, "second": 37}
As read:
{"hour": 4, "minute": 35, "second": 25}
